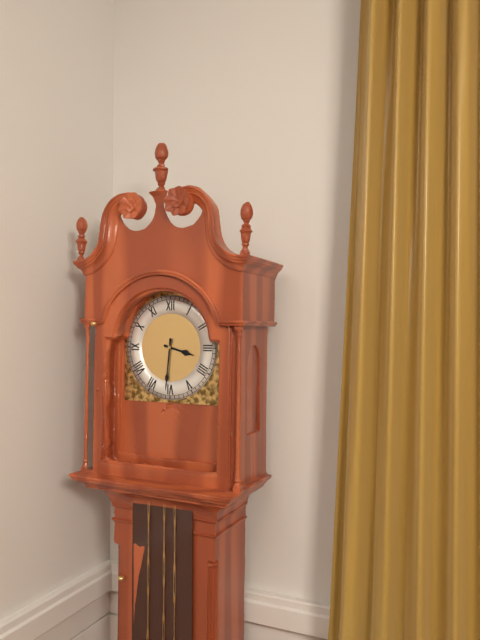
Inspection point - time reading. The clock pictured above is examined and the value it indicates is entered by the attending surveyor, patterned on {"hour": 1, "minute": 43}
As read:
{"hour": 3, "minute": 31}
